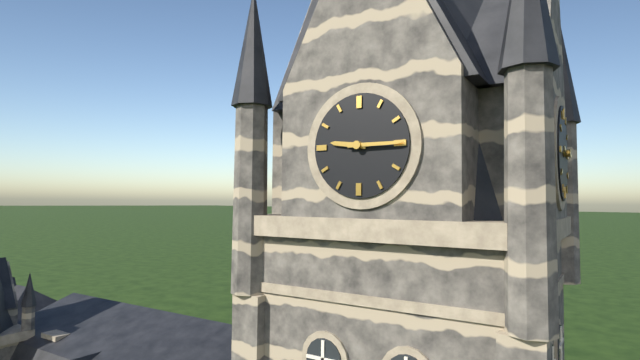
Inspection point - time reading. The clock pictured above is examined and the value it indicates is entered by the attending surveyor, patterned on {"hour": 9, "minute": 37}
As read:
{"hour": 9, "minute": 15}
